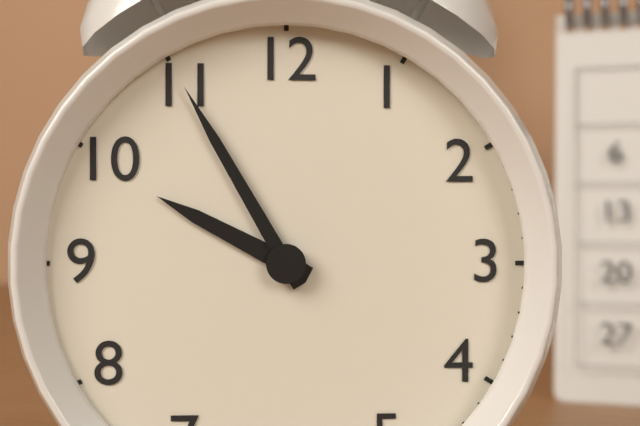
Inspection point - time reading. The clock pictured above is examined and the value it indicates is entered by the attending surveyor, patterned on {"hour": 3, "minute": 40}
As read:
{"hour": 9, "minute": 55}
